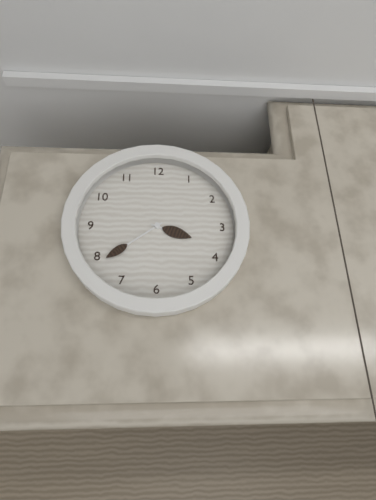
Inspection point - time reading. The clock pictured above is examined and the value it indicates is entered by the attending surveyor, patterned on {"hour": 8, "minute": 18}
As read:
{"hour": 3, "minute": 39}
